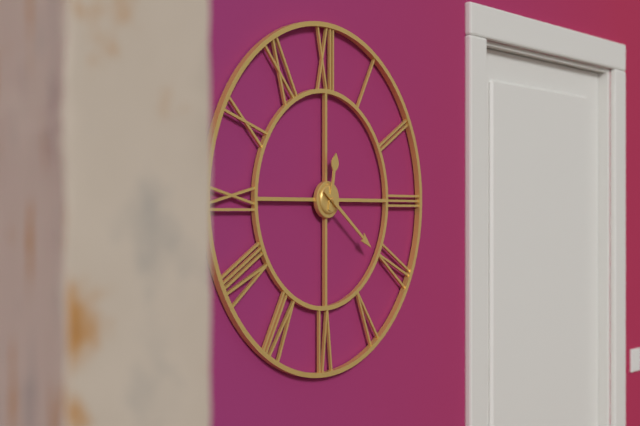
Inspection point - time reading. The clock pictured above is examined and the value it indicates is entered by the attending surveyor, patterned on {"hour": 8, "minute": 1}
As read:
{"hour": 12, "minute": 21}
